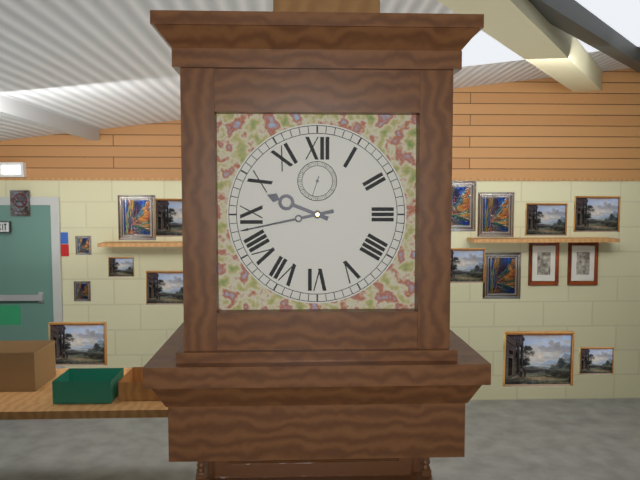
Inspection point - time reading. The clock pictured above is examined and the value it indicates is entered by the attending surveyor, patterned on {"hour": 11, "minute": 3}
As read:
{"hour": 9, "minute": 43}
